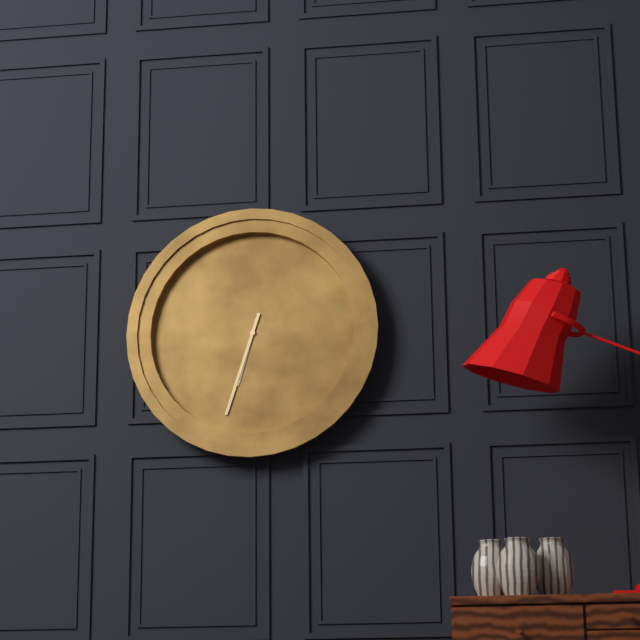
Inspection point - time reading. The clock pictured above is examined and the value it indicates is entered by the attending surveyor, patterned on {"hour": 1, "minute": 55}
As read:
{"hour": 6, "minute": 33}
